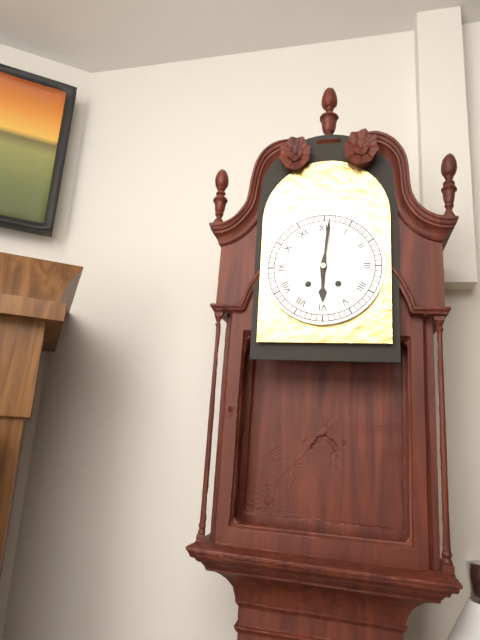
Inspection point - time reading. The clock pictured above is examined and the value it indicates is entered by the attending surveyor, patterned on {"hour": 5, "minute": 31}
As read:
{"hour": 6, "minute": 1}
